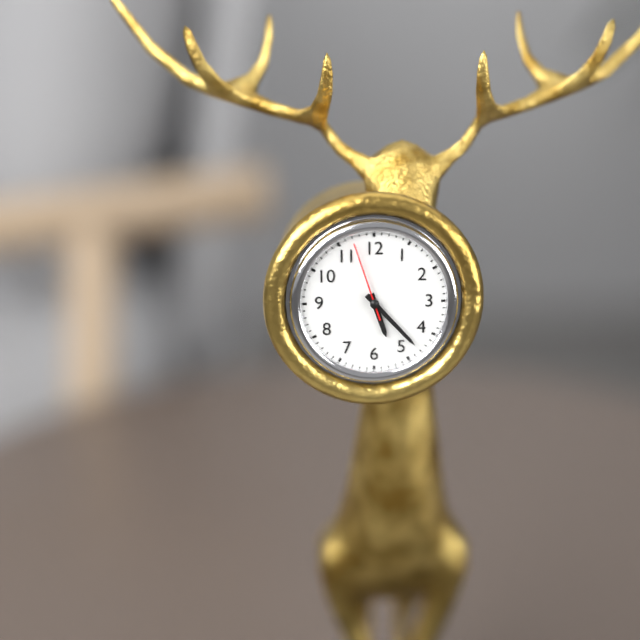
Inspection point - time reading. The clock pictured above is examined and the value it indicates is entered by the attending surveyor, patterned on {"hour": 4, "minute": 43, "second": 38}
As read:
{"hour": 5, "minute": 23, "second": 57}
